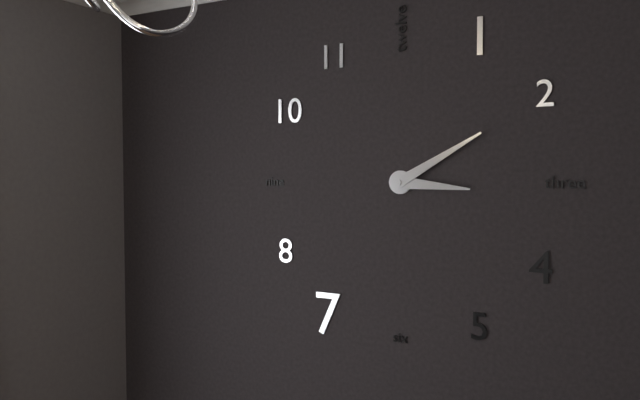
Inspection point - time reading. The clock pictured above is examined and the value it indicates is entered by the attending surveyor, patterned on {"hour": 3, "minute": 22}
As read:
{"hour": 3, "minute": 10}
